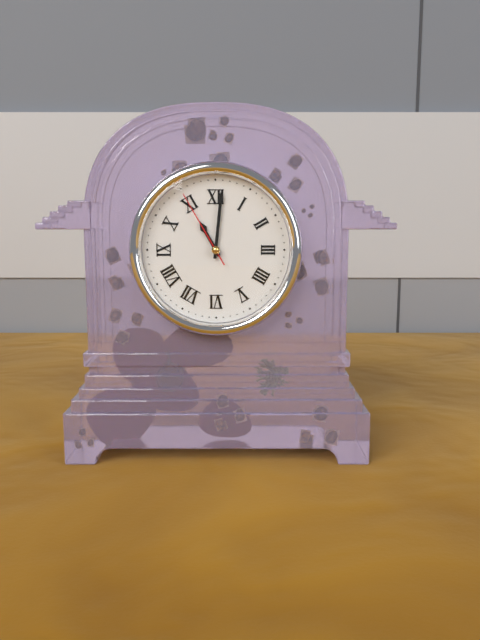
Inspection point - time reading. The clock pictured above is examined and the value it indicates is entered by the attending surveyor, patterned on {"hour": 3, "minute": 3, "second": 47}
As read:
{"hour": 11, "minute": 1, "second": 55}
